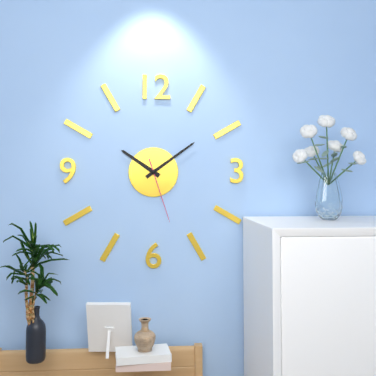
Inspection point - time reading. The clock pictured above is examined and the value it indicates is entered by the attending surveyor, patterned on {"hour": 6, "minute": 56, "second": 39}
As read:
{"hour": 10, "minute": 9, "second": 27}
